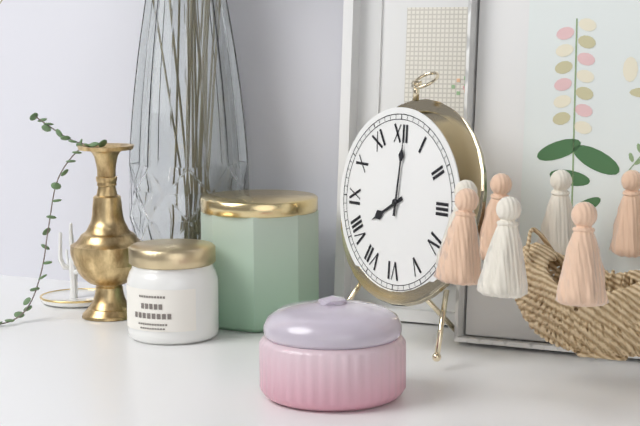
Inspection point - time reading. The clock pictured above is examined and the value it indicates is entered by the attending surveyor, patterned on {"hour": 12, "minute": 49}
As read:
{"hour": 8, "minute": 1}
